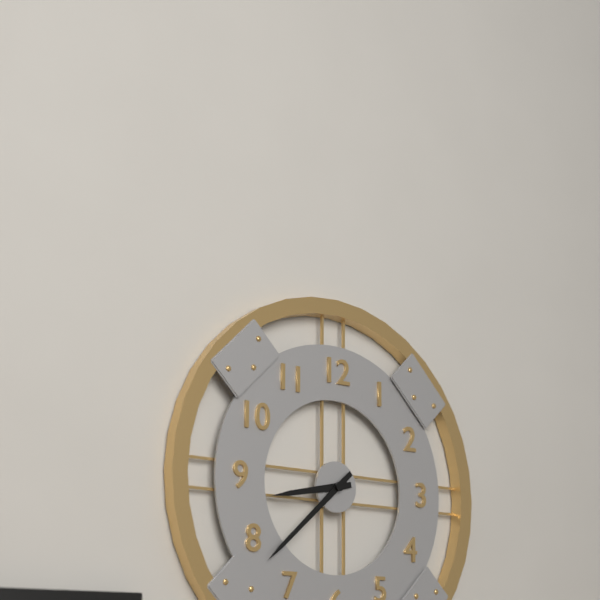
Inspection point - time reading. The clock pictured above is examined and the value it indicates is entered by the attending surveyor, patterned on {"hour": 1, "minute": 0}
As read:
{"hour": 8, "minute": 38}
